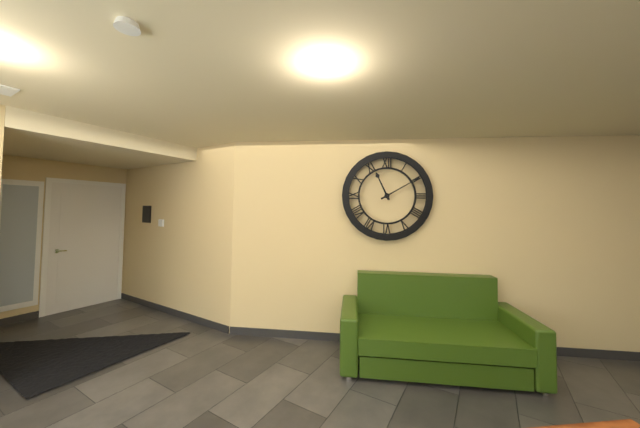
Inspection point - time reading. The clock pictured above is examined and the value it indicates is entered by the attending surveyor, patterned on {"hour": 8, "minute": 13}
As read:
{"hour": 11, "minute": 10}
